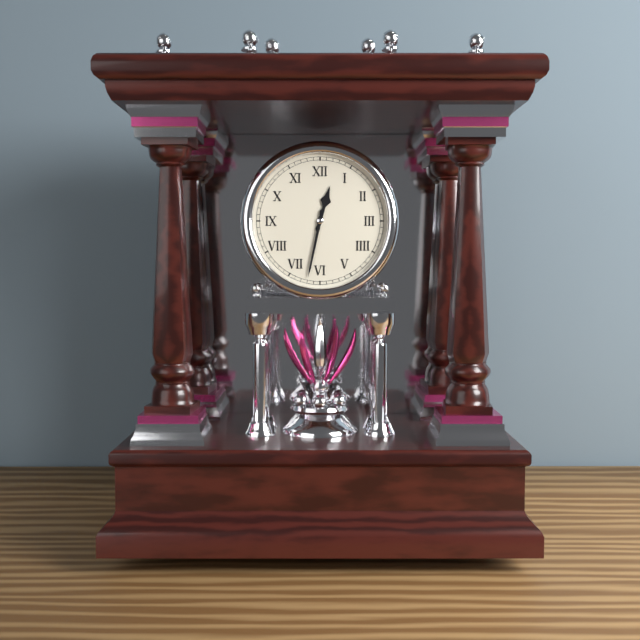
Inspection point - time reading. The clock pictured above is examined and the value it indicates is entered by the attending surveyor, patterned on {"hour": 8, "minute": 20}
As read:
{"hour": 12, "minute": 32}
